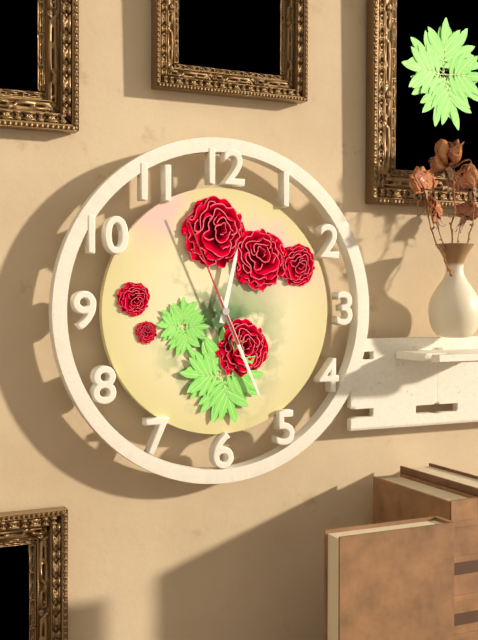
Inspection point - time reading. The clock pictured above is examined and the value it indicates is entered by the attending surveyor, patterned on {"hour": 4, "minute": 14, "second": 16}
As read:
{"hour": 12, "minute": 26, "second": 56}
